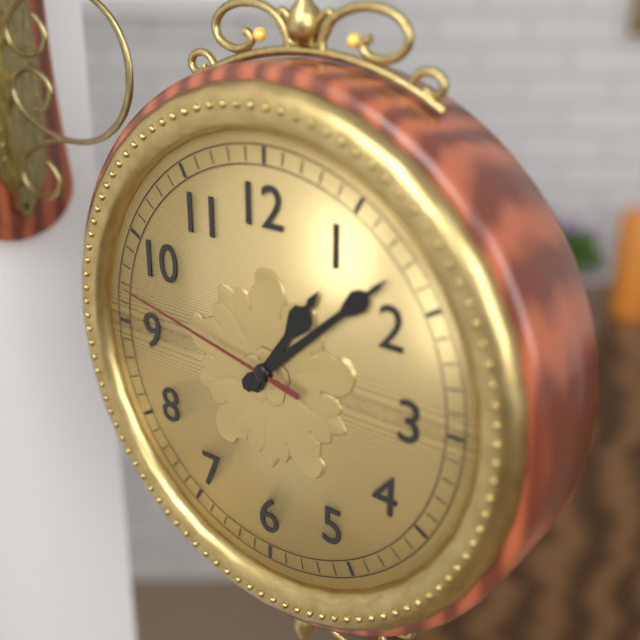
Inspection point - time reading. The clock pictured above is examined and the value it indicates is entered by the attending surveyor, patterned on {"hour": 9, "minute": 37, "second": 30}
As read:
{"hour": 1, "minute": 8, "second": 47}
